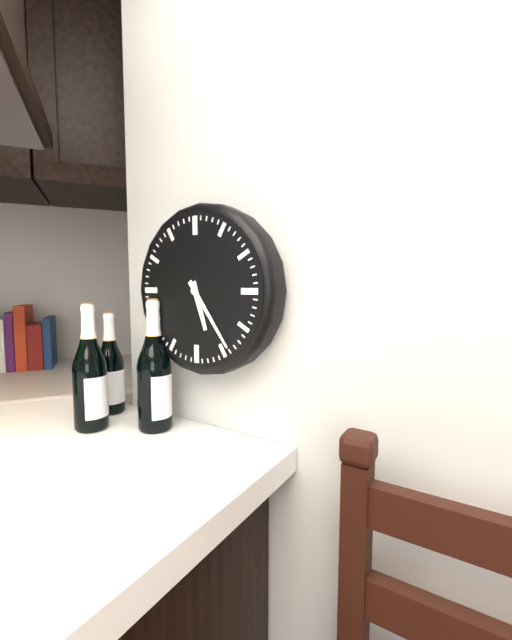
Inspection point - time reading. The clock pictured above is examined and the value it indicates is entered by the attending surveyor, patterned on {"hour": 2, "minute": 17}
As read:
{"hour": 5, "minute": 24}
